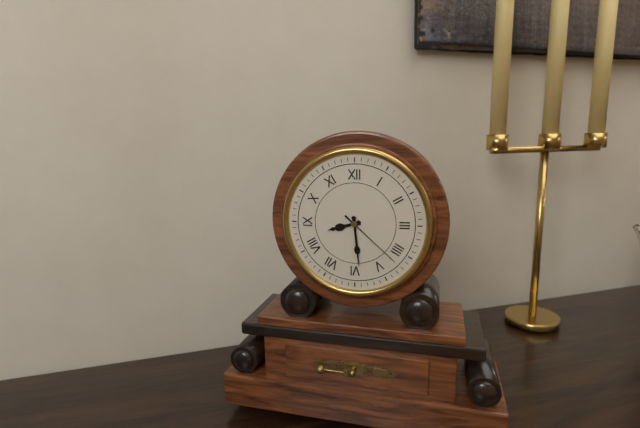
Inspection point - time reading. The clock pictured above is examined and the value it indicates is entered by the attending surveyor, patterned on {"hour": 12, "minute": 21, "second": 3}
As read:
{"hour": 8, "minute": 29, "second": 22}
